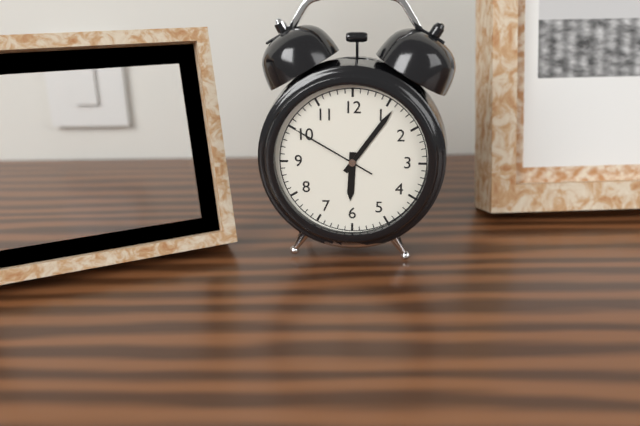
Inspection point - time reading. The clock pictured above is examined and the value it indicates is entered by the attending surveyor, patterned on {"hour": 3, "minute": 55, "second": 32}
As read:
{"hour": 6, "minute": 6, "second": 50}
